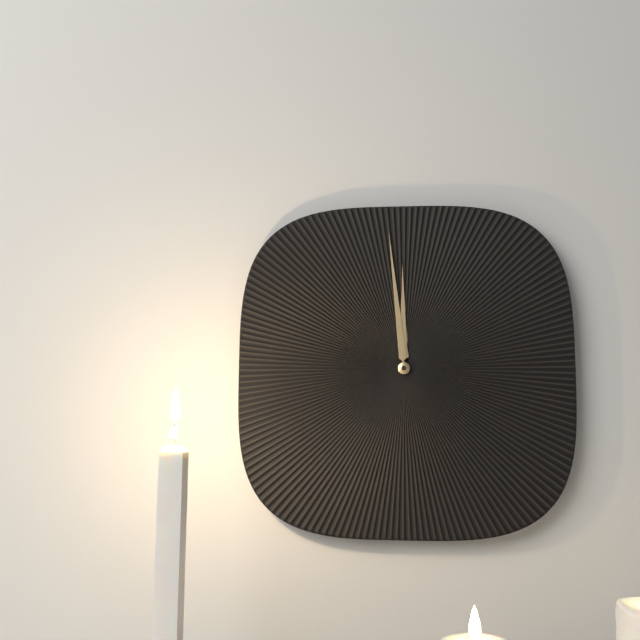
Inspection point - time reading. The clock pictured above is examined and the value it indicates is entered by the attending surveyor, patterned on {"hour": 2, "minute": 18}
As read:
{"hour": 11, "minute": 59}
